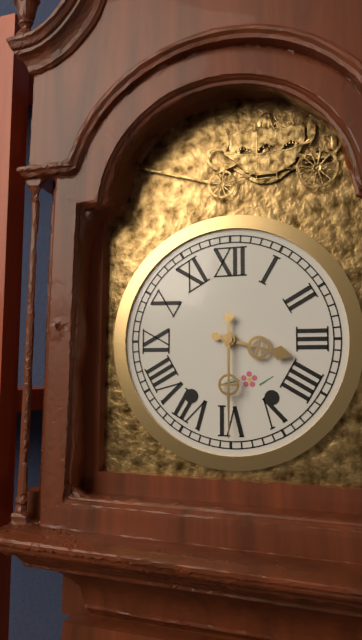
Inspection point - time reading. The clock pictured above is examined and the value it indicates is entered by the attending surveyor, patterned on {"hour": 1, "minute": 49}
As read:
{"hour": 3, "minute": 30}
